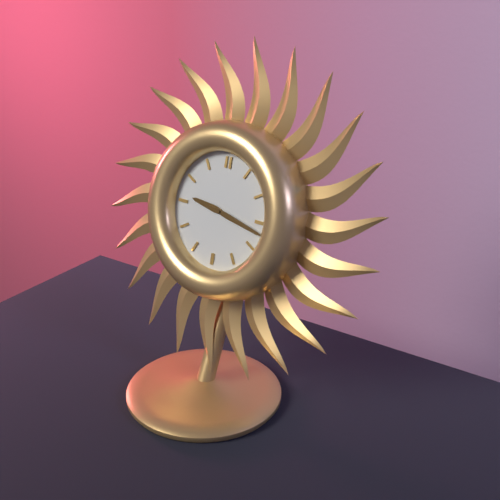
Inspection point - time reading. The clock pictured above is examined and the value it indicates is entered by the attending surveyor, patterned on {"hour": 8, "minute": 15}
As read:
{"hour": 9, "minute": 17}
